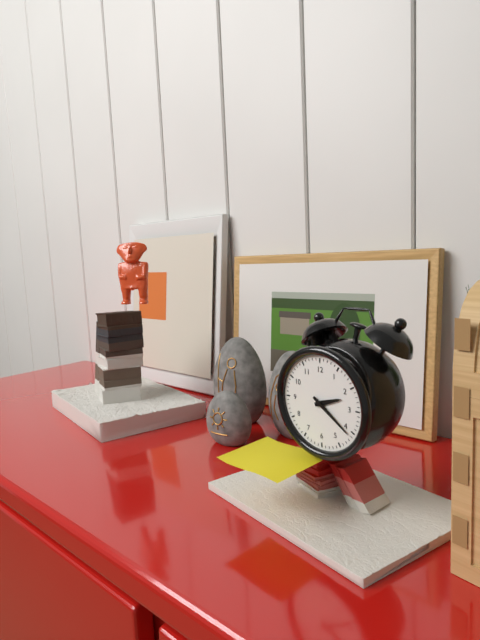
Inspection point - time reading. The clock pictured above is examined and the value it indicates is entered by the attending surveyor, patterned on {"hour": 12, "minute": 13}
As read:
{"hour": 2, "minute": 21}
